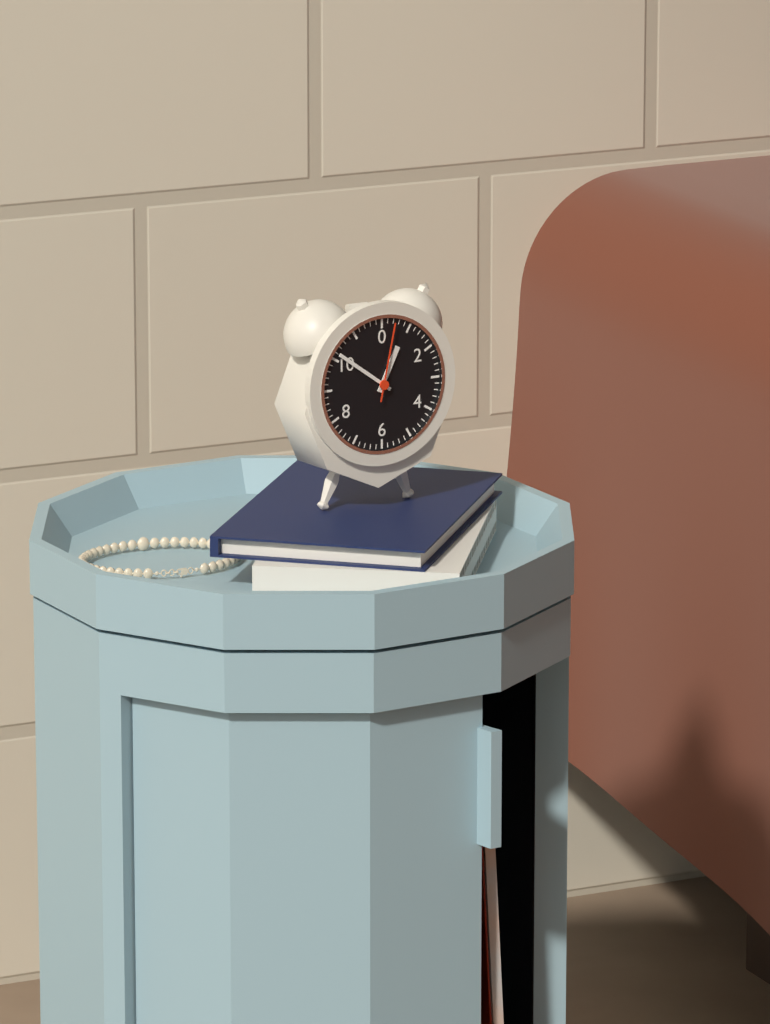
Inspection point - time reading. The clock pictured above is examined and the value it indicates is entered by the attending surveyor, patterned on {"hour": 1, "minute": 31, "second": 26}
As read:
{"hour": 12, "minute": 51, "second": 2}
